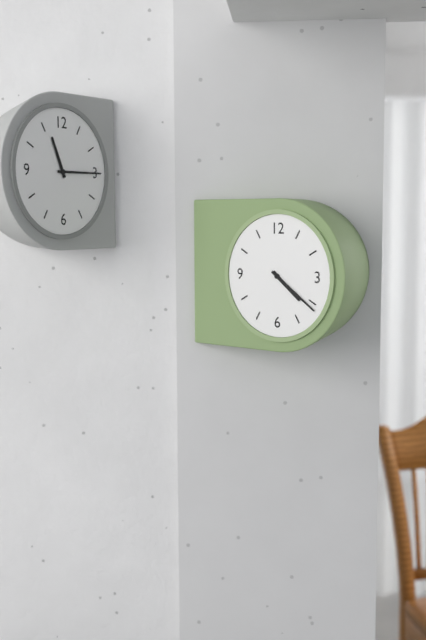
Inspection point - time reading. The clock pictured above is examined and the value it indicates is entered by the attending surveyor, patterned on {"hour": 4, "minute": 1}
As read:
{"hour": 4, "minute": 21}
